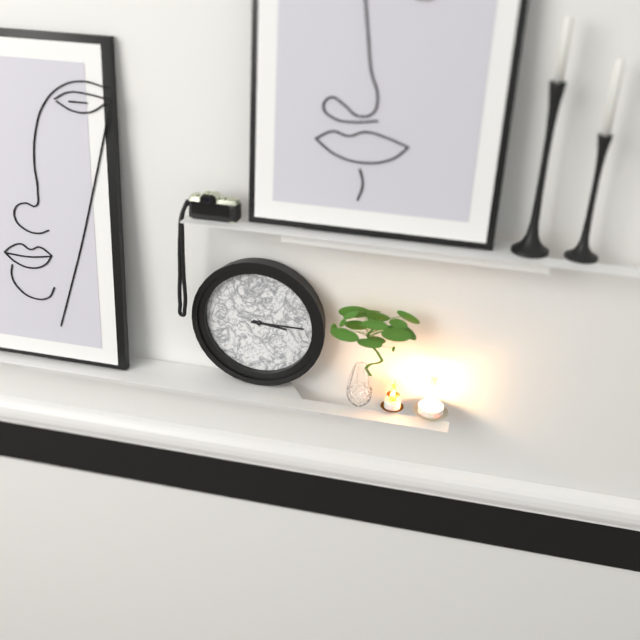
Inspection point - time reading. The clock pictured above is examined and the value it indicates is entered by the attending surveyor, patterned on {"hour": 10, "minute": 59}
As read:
{"hour": 3, "minute": 15}
